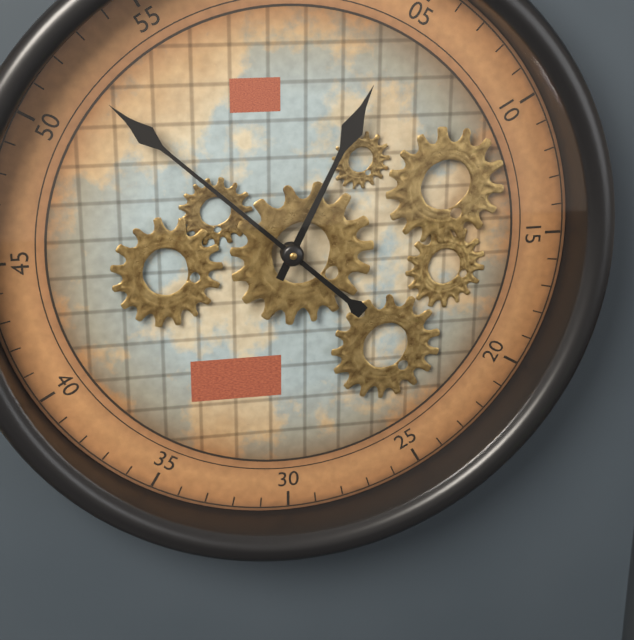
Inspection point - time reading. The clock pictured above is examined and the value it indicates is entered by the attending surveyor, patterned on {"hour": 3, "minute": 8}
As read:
{"hour": 12, "minute": 52}
